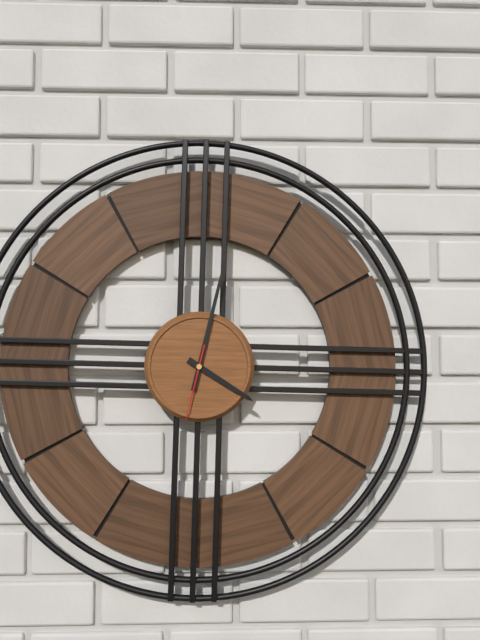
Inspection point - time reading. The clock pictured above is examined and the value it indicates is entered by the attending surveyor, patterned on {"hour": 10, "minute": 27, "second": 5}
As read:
{"hour": 4, "minute": 2, "second": 32}
